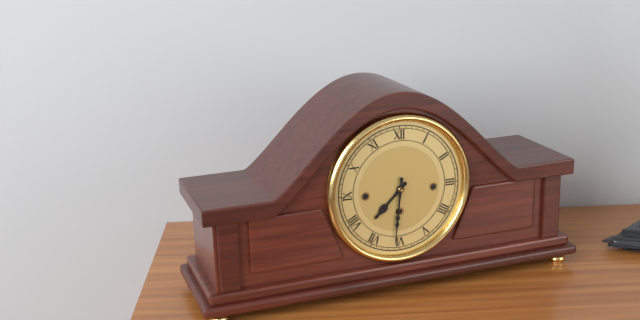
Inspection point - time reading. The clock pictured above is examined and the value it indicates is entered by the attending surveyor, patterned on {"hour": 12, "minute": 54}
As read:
{"hour": 7, "minute": 31}
